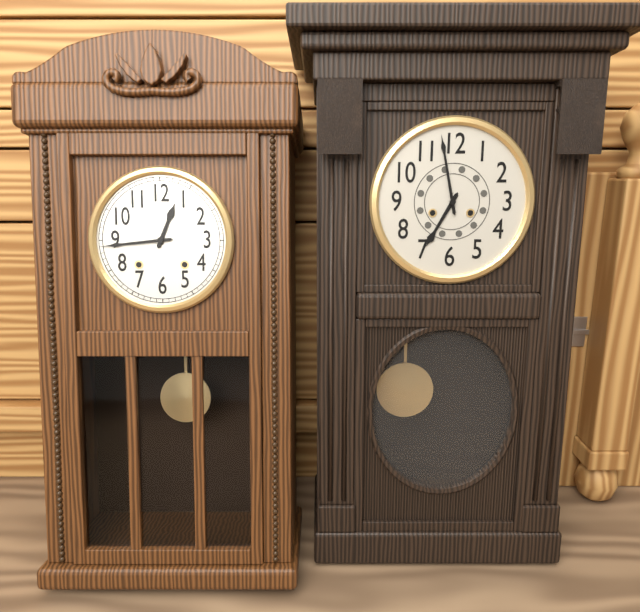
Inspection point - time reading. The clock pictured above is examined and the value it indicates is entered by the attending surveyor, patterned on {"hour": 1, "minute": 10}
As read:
{"hour": 12, "minute": 44}
